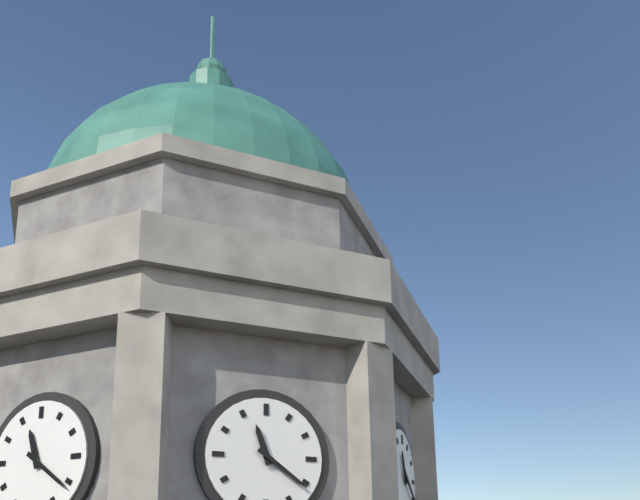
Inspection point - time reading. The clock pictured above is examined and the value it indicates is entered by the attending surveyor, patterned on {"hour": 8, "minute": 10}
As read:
{"hour": 11, "minute": 21}
